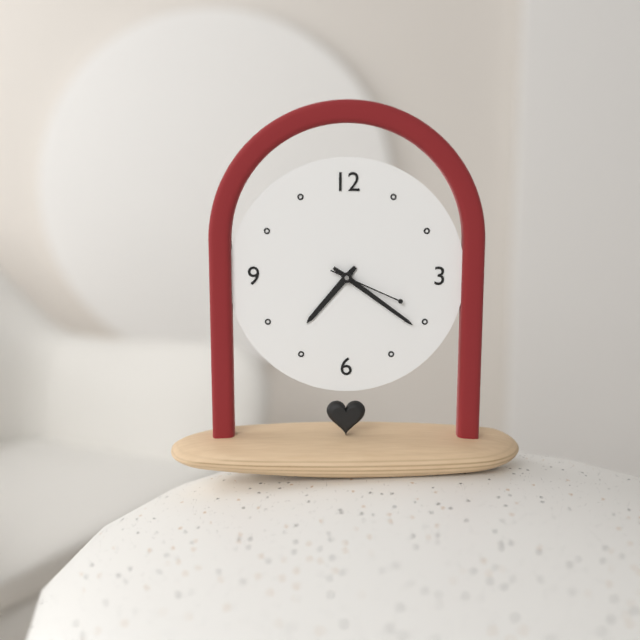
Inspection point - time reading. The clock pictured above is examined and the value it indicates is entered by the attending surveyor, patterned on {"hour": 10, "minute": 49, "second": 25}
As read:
{"hour": 7, "minute": 21, "second": 19}
